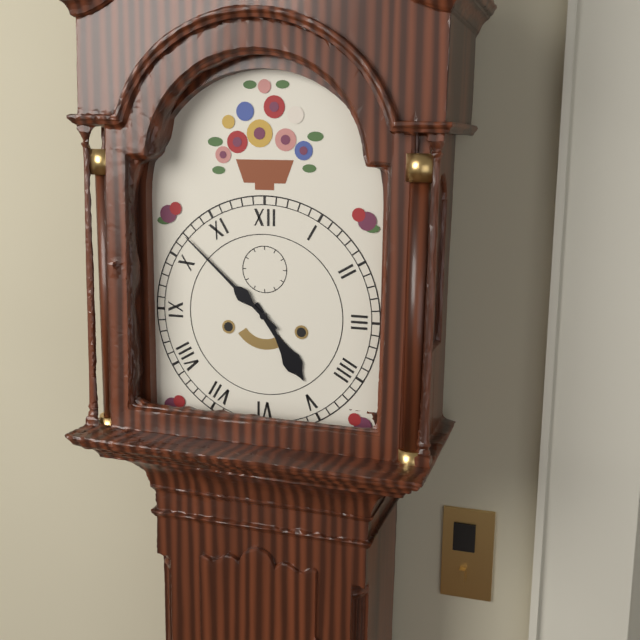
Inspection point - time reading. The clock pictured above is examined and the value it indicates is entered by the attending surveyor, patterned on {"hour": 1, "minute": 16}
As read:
{"hour": 4, "minute": 52}
